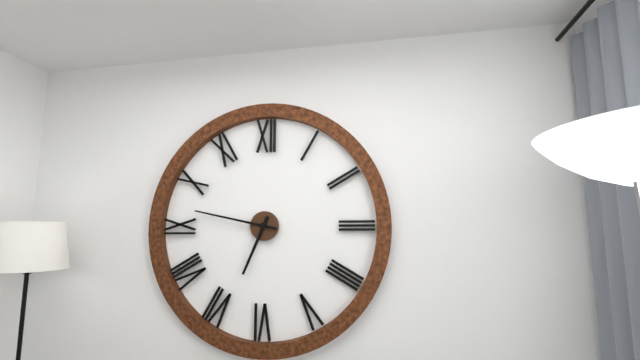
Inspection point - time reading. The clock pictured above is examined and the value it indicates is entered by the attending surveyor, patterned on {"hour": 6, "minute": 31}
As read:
{"hour": 6, "minute": 47}
